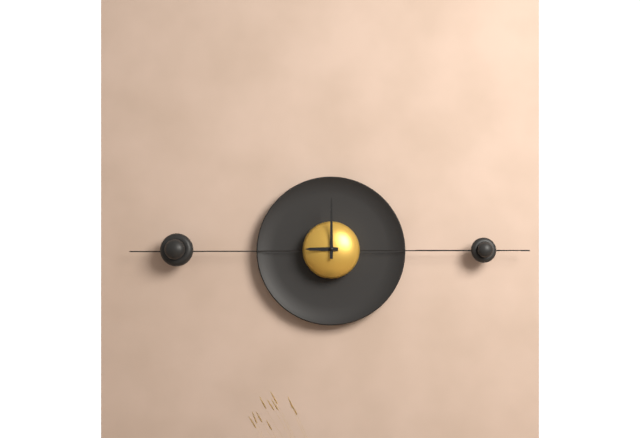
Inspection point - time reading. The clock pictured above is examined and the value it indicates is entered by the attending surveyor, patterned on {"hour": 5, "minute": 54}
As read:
{"hour": 9, "minute": 0}
